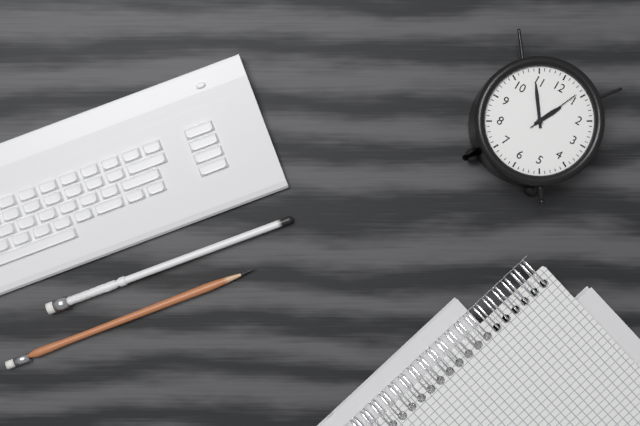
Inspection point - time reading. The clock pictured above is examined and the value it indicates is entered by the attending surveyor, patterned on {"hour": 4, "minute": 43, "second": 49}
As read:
{"hour": 12, "minute": 54, "second": 4}
